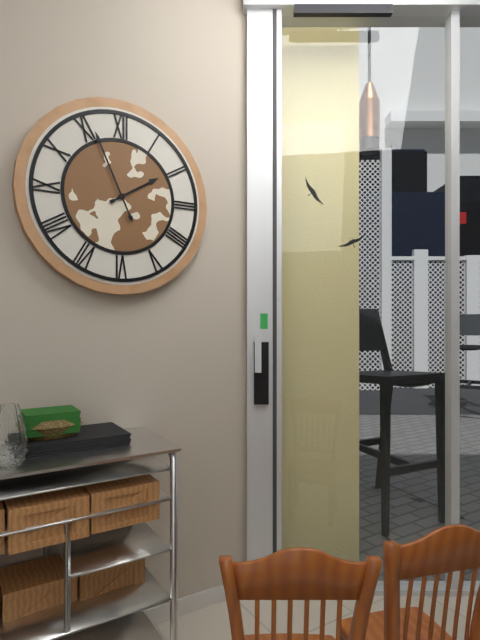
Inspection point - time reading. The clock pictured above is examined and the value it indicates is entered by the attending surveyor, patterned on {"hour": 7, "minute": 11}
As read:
{"hour": 1, "minute": 56}
